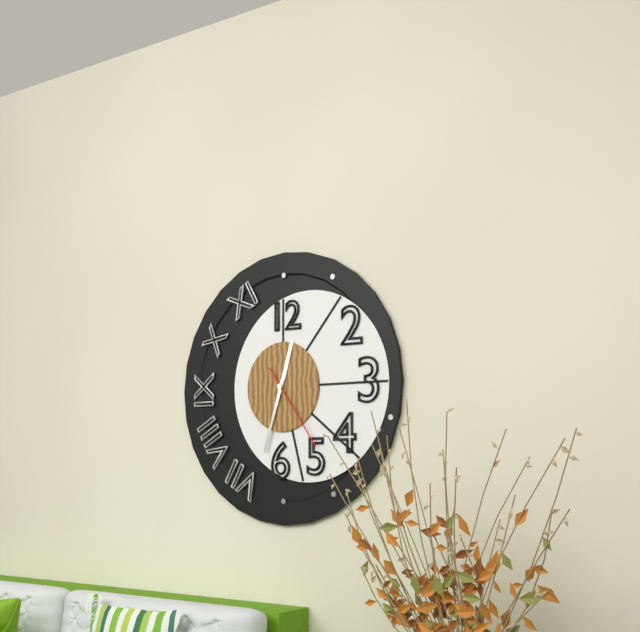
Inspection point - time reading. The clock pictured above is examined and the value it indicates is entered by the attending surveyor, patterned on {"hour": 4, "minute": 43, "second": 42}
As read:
{"hour": 12, "minute": 33, "second": 24}
